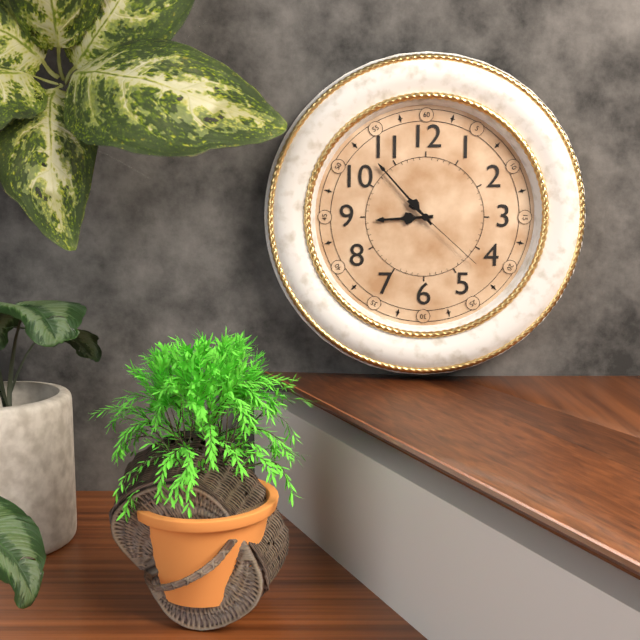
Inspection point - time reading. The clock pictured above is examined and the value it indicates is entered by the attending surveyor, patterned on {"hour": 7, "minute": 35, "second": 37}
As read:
{"hour": 8, "minute": 53, "second": 22}
